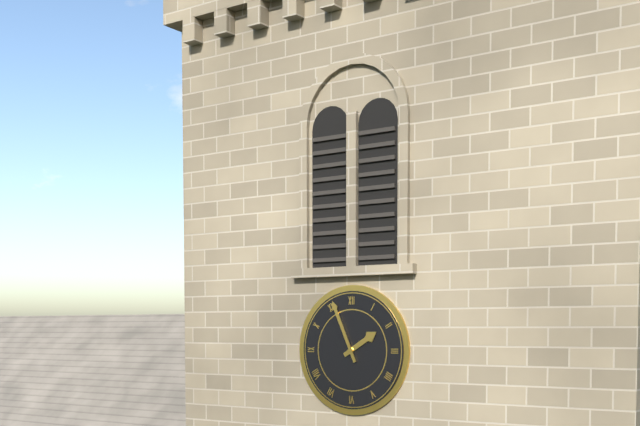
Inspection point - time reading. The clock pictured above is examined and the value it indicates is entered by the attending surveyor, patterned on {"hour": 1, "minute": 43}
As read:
{"hour": 1, "minute": 56}
